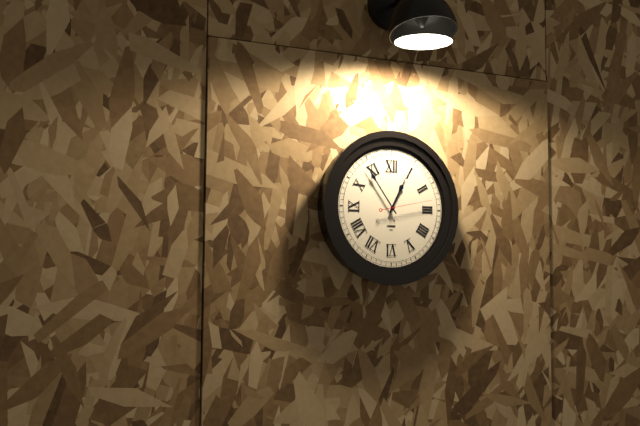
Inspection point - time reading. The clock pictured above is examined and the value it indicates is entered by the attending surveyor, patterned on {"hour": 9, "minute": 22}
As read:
{"hour": 12, "minute": 54}
